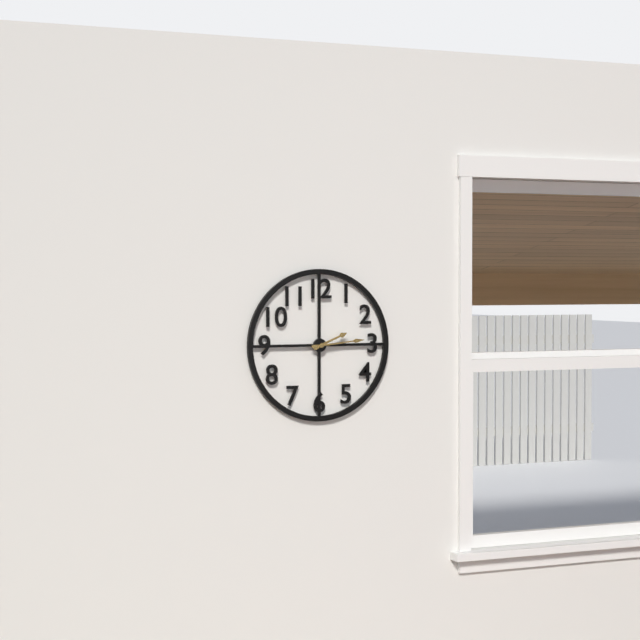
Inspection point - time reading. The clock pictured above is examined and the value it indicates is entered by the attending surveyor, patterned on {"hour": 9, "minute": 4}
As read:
{"hour": 2, "minute": 14}
